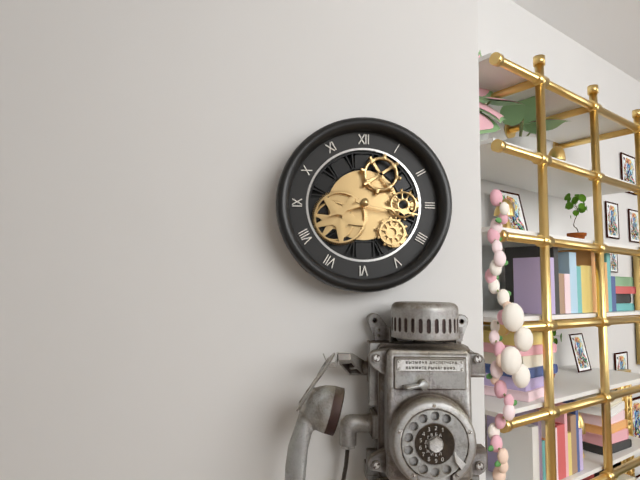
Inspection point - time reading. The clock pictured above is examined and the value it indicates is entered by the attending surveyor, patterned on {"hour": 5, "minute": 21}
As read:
{"hour": 8, "minute": 17}
